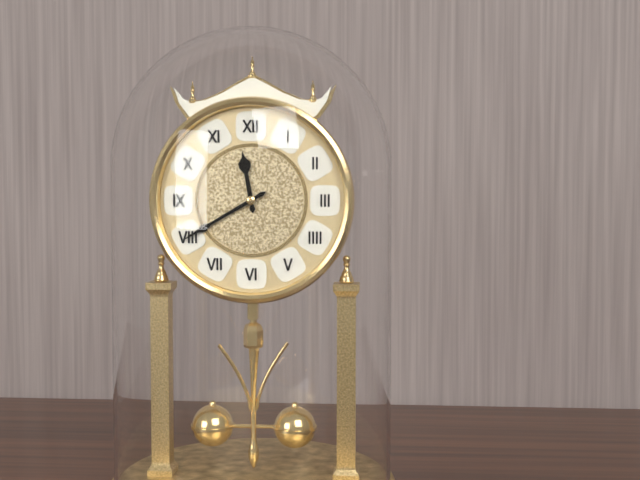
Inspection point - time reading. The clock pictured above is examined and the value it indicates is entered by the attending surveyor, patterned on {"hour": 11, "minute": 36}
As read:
{"hour": 11, "minute": 40}
